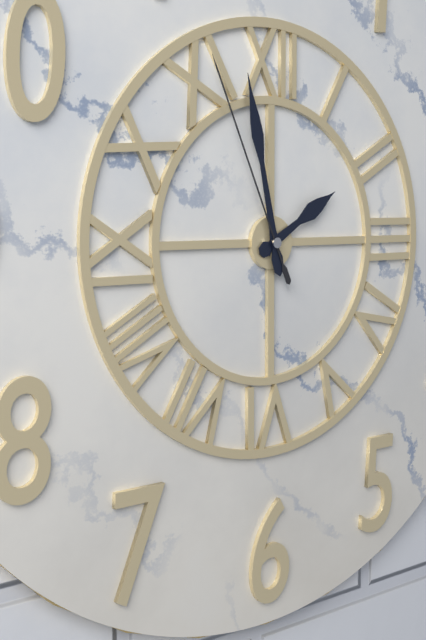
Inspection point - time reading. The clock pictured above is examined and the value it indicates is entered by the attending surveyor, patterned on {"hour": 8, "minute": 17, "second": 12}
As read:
{"hour": 1, "minute": 58, "second": 56}
